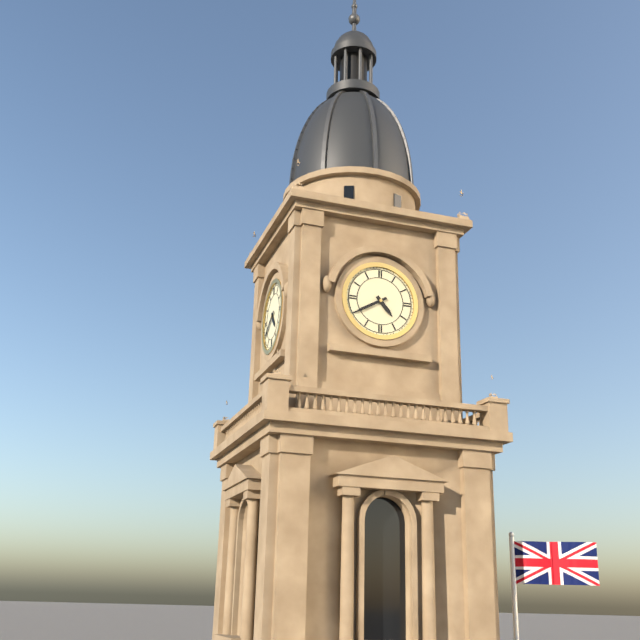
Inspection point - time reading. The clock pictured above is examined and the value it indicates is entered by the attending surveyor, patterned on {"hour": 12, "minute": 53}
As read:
{"hour": 4, "minute": 40}
